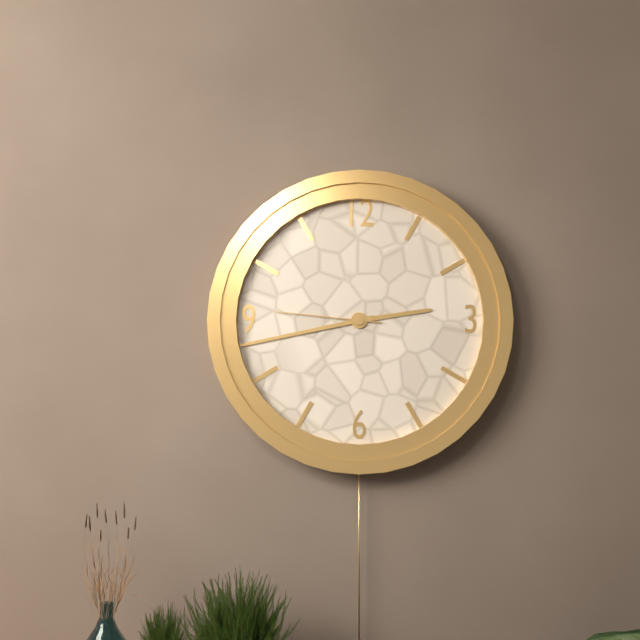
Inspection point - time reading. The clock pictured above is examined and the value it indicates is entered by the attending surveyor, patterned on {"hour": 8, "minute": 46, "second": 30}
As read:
{"hour": 2, "minute": 43, "second": 46}
